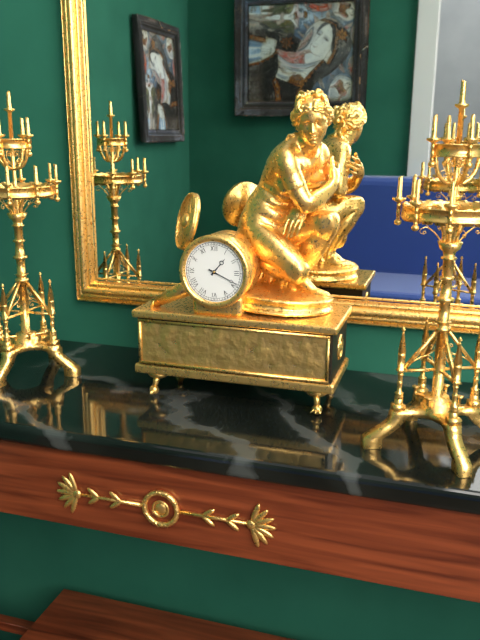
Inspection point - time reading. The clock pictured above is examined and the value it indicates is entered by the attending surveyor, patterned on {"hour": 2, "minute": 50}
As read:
{"hour": 1, "minute": 19}
